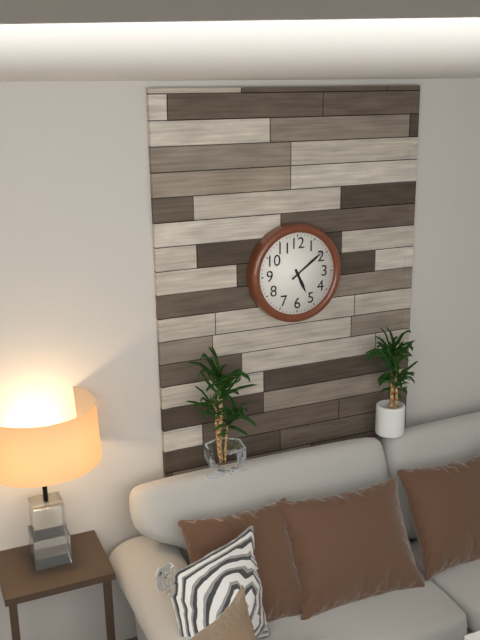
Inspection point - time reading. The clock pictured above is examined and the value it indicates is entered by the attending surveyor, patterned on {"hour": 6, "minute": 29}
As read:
{"hour": 5, "minute": 9}
